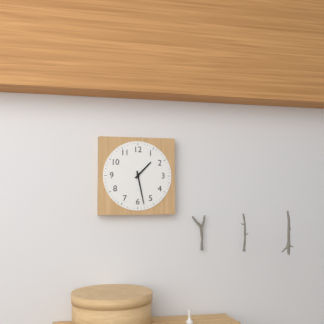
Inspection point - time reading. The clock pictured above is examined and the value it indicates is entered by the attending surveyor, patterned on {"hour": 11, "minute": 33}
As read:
{"hour": 1, "minute": 28}
